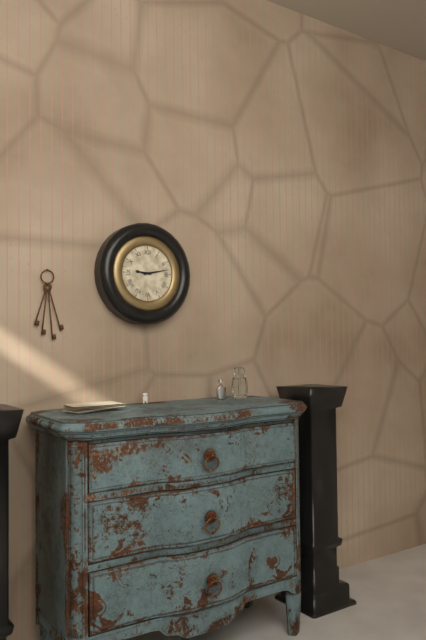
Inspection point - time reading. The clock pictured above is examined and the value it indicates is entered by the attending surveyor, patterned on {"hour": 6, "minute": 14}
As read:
{"hour": 9, "minute": 13}
